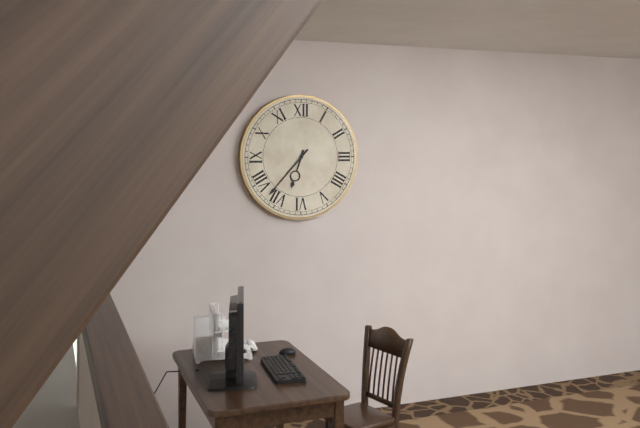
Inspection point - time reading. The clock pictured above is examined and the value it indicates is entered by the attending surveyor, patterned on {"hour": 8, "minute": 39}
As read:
{"hour": 6, "minute": 37}
